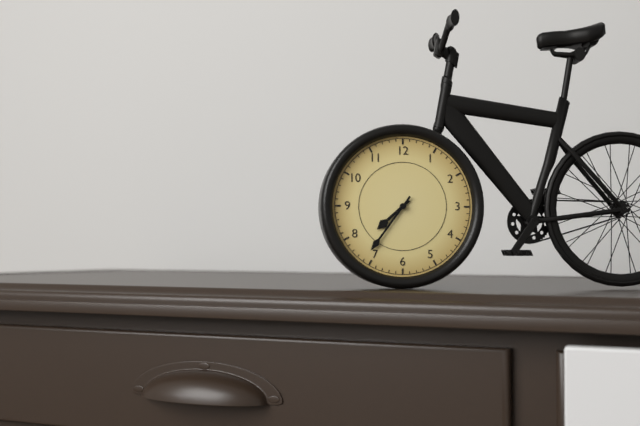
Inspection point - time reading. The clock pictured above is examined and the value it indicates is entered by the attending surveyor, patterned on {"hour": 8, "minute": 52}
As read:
{"hour": 7, "minute": 36}
